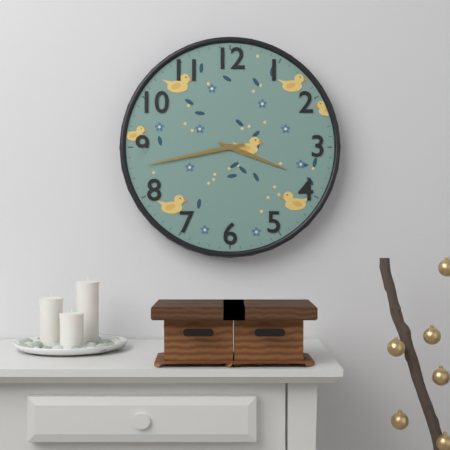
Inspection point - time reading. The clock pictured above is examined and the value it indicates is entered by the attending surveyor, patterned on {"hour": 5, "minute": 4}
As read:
{"hour": 3, "minute": 43}
